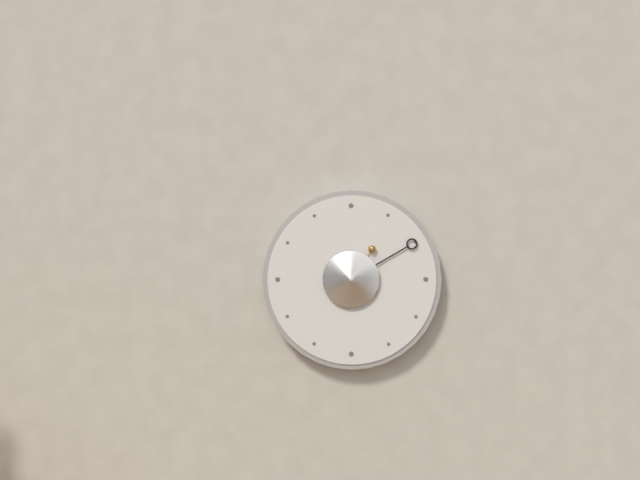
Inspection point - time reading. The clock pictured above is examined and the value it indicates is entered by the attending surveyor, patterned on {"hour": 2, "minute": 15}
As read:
{"hour": 1, "minute": 10}
